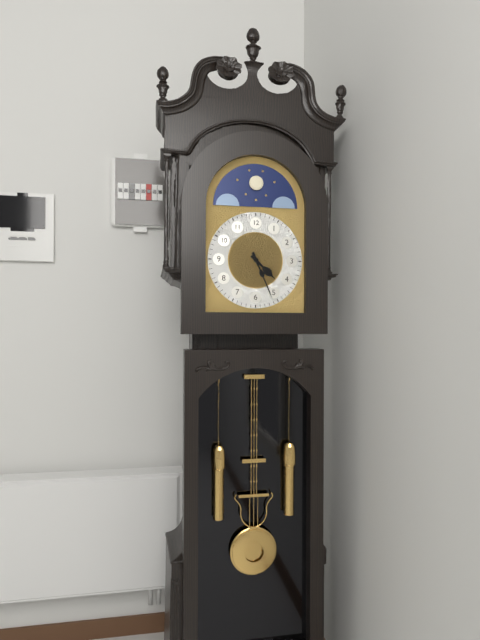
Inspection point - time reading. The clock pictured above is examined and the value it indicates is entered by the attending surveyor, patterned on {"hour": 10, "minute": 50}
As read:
{"hour": 4, "minute": 26}
